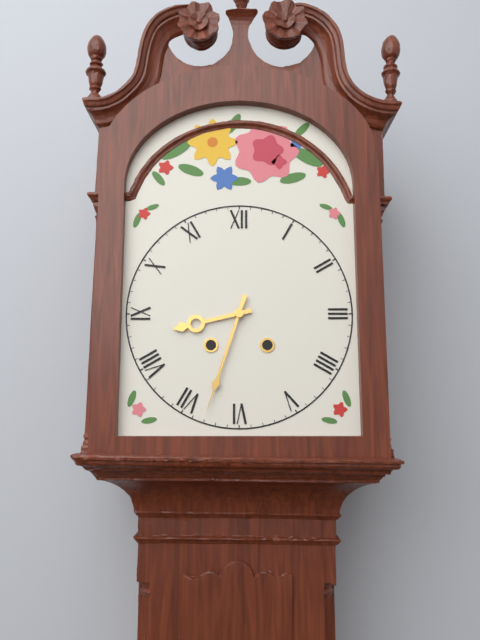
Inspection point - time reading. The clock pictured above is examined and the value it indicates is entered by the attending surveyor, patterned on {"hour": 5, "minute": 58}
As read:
{"hour": 8, "minute": 33}
